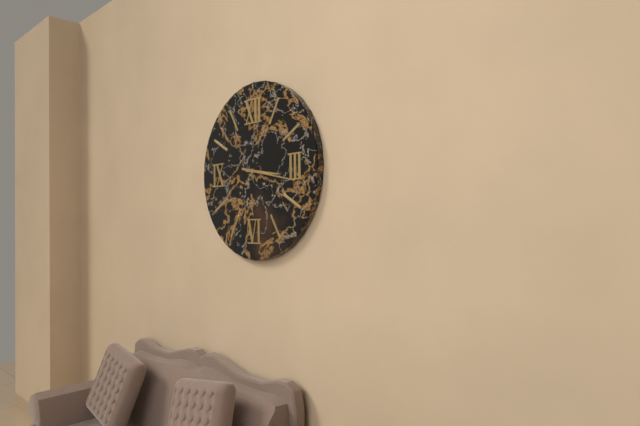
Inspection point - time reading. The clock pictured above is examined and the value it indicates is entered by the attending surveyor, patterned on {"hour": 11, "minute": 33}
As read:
{"hour": 3, "minute": 17}
